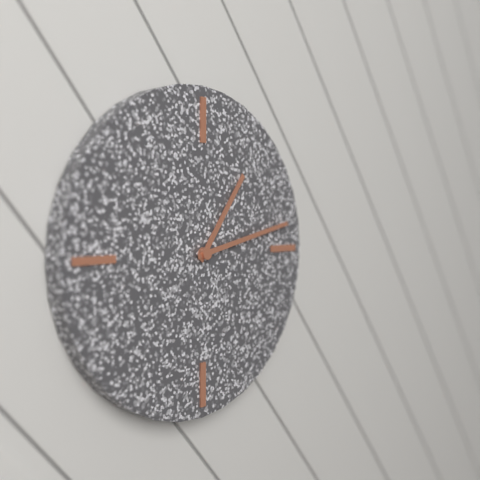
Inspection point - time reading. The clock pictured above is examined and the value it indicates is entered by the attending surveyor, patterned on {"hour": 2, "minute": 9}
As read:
{"hour": 1, "minute": 13}
